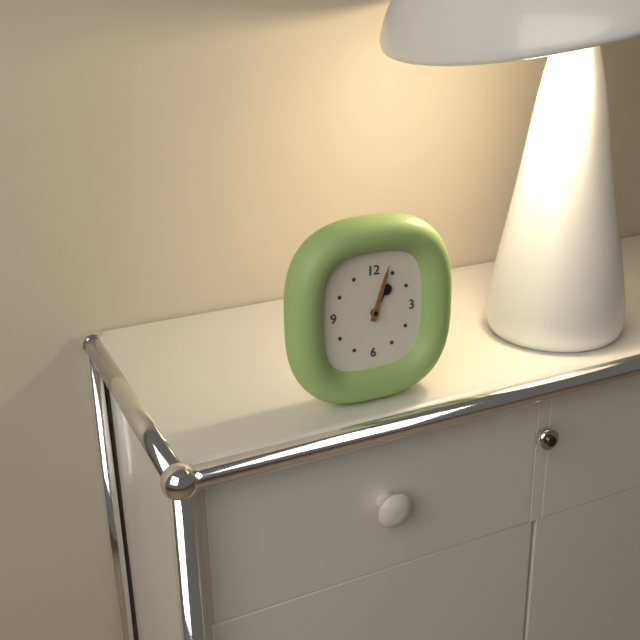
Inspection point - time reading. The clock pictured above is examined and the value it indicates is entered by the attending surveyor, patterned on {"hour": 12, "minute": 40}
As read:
{"hour": 1, "minute": 3}
